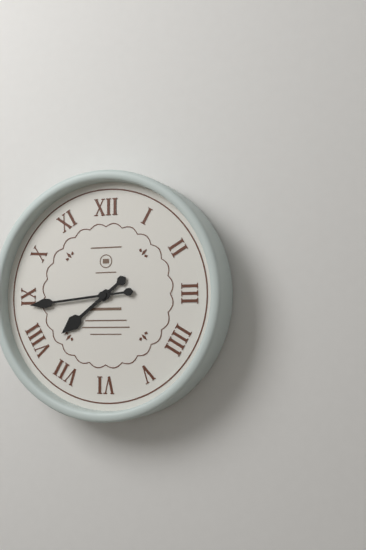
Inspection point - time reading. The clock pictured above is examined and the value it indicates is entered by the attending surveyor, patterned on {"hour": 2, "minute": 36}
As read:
{"hour": 7, "minute": 44}
